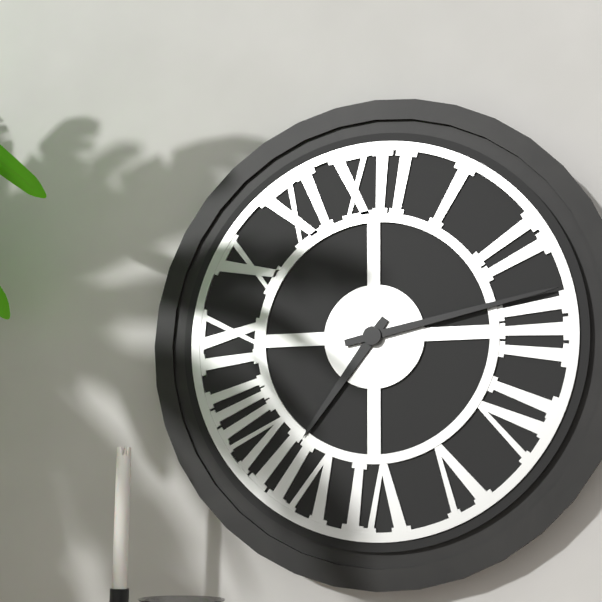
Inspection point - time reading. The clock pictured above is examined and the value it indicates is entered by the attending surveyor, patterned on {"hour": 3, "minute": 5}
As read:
{"hour": 7, "minute": 13}
